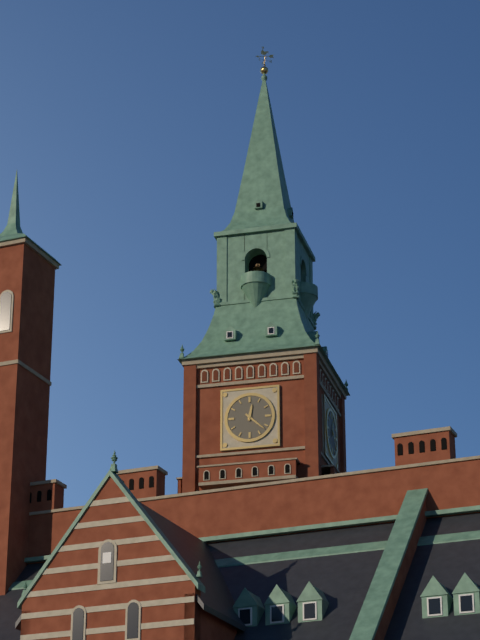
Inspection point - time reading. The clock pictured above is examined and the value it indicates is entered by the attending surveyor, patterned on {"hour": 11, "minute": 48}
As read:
{"hour": 12, "minute": 22}
